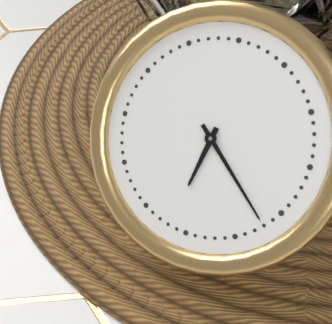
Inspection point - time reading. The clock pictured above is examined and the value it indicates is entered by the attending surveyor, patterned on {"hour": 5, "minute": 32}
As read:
{"hour": 6, "minute": 22}
